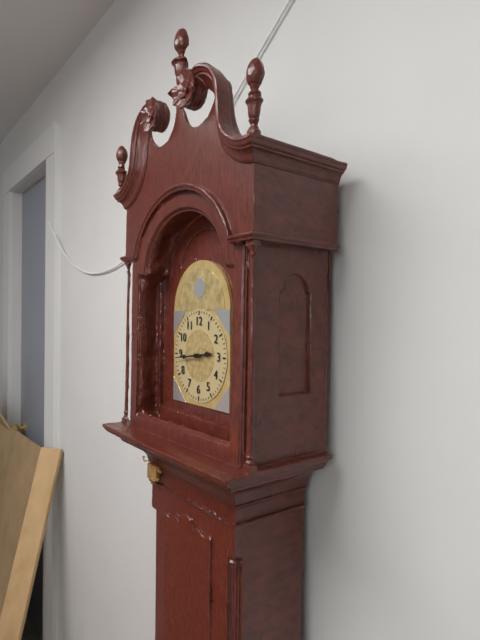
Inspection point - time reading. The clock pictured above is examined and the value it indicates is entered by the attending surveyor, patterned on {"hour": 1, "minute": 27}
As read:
{"hour": 2, "minute": 44}
